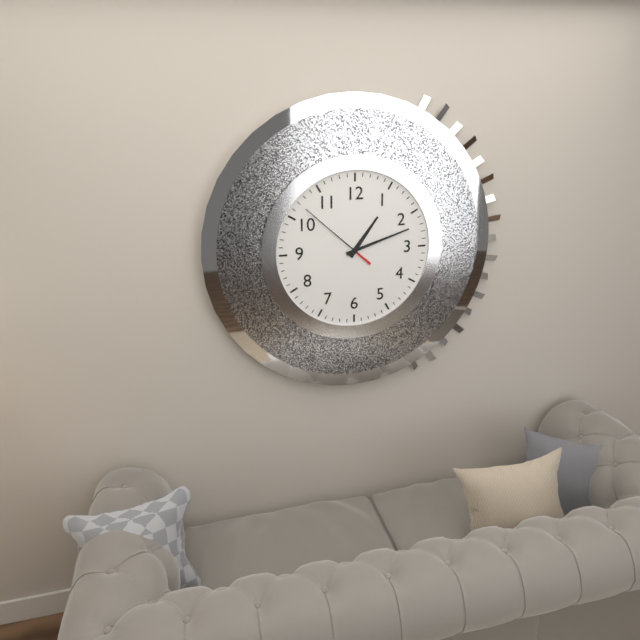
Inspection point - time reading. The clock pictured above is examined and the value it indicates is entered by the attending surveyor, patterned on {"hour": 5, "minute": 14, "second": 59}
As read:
{"hour": 1, "minute": 12, "second": 52}
